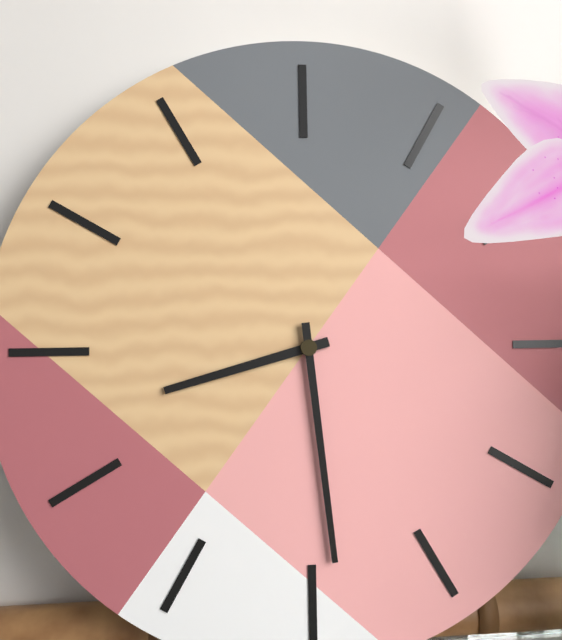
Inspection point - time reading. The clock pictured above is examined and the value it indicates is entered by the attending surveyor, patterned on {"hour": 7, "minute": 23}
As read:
{"hour": 8, "minute": 29}
